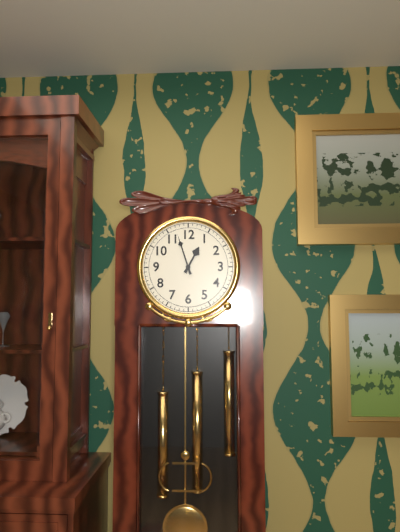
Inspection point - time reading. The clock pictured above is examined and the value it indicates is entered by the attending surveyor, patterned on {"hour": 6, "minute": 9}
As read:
{"hour": 12, "minute": 57}
